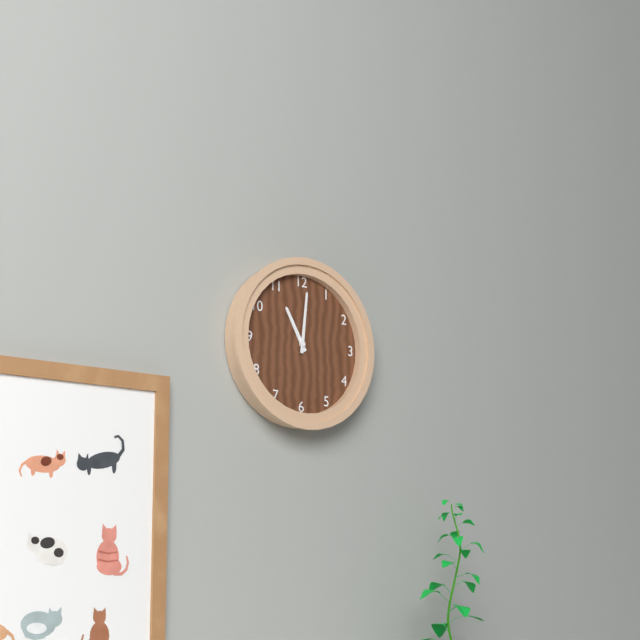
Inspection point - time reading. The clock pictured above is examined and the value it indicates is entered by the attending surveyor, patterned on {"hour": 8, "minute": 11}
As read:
{"hour": 11, "minute": 1}
